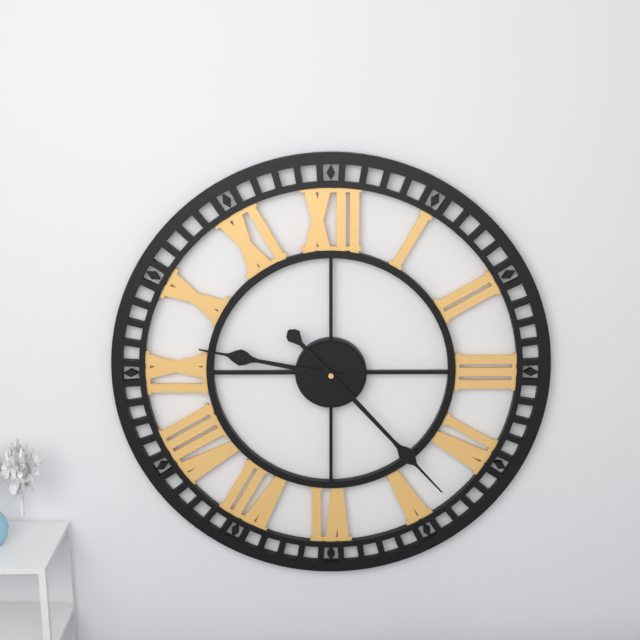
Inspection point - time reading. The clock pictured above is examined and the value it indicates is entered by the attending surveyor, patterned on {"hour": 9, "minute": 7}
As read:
{"hour": 9, "minute": 23}
